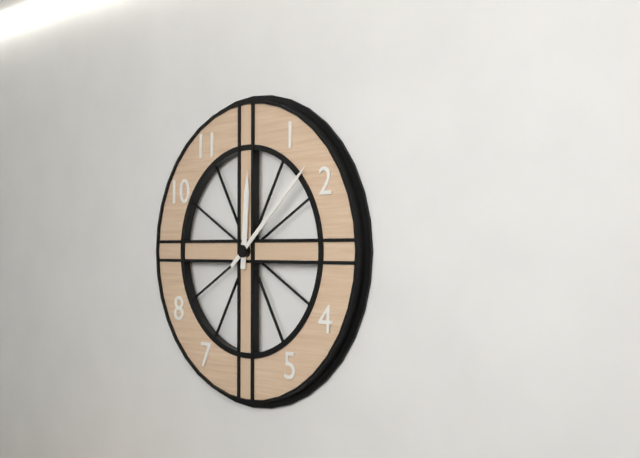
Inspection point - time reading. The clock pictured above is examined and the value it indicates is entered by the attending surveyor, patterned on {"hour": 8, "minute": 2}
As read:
{"hour": 12, "minute": 8}
